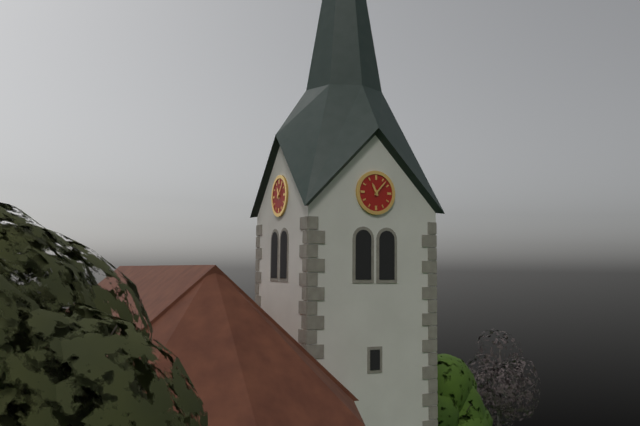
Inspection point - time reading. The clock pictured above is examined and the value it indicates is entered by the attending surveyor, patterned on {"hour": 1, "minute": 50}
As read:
{"hour": 11, "minute": 7}
